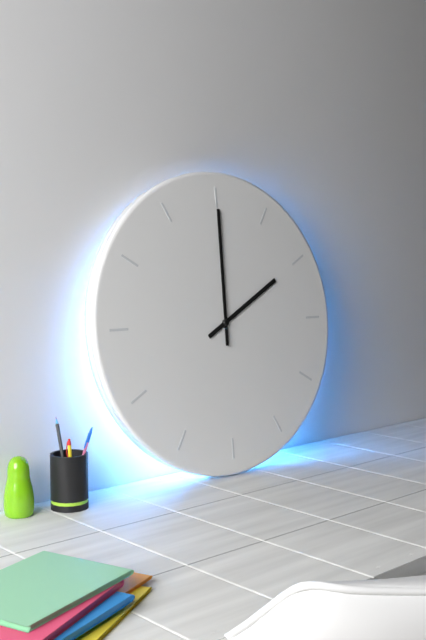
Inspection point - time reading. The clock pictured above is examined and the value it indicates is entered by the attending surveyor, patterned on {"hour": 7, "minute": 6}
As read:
{"hour": 2, "minute": 0}
